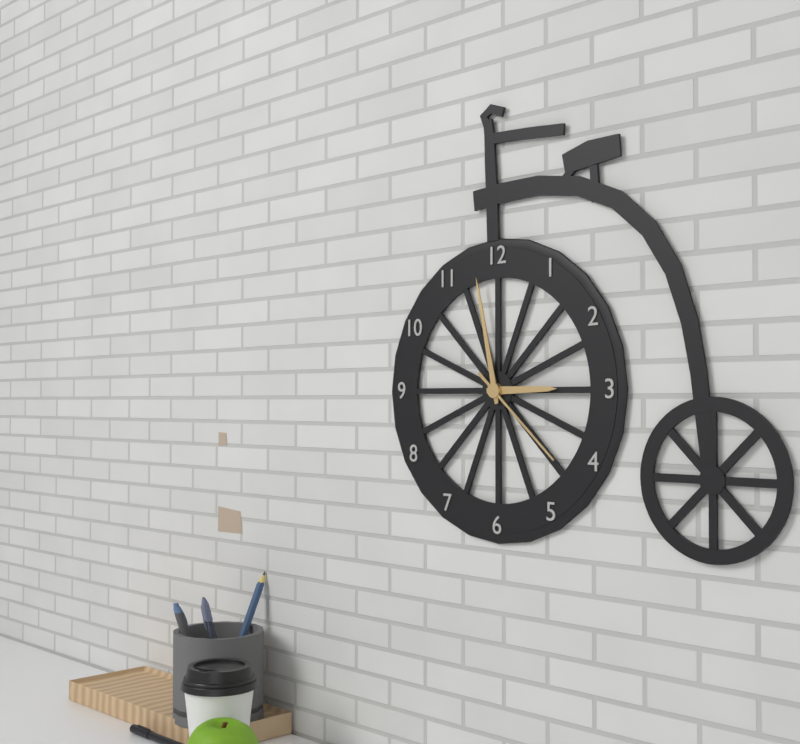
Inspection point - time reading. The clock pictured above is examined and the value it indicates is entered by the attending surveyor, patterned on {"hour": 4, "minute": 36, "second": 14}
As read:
{"hour": 2, "minute": 58, "second": 22}
